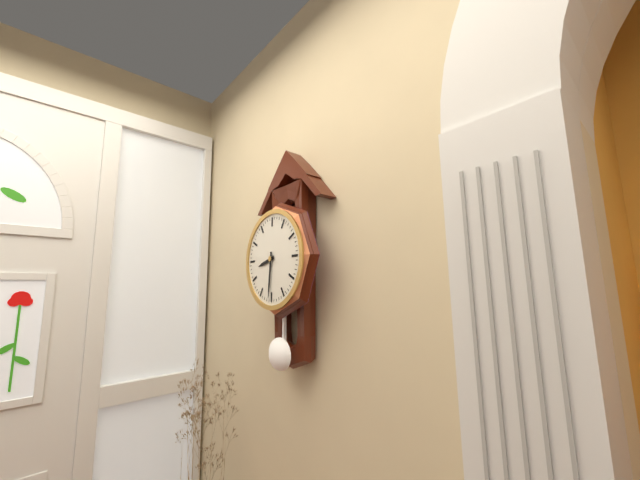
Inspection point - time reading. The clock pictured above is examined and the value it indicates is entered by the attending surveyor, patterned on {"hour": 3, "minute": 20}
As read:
{"hour": 8, "minute": 31}
